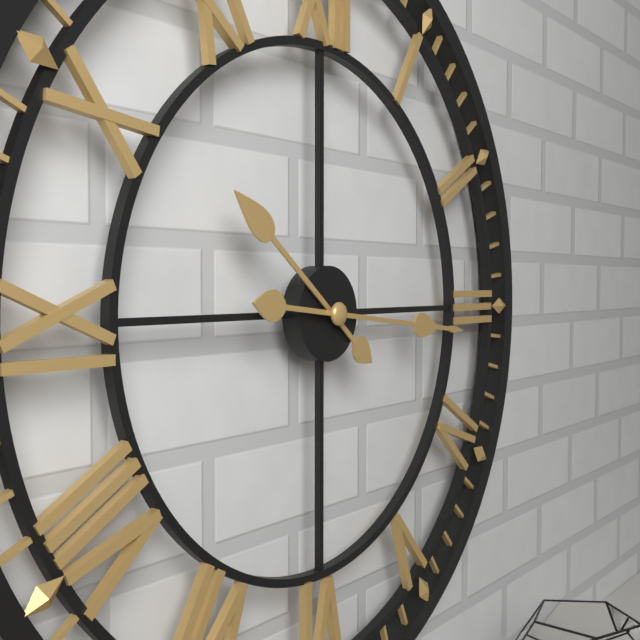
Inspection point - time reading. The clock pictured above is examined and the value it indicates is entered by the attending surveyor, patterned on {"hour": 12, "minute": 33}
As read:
{"hour": 10, "minute": 16}
